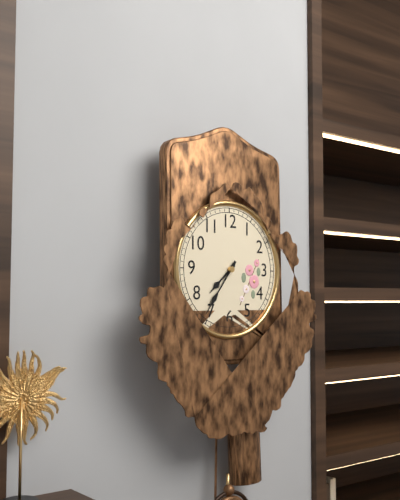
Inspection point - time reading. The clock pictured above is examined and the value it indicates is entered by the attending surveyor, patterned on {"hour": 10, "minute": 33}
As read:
{"hour": 7, "minute": 36}
